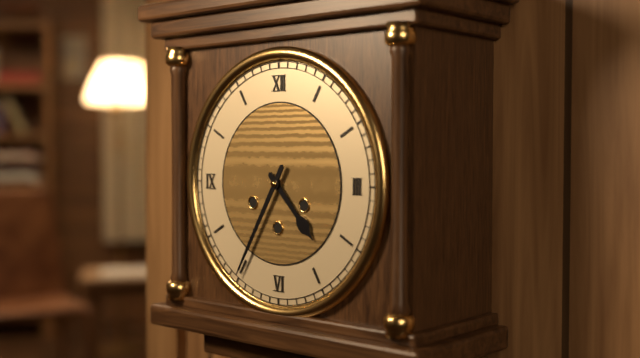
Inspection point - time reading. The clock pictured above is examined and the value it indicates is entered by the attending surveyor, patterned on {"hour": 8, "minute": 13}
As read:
{"hour": 4, "minute": 35}
